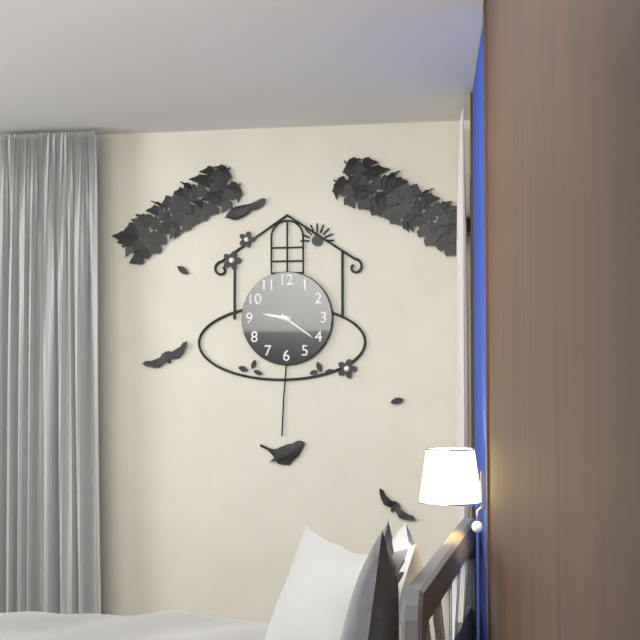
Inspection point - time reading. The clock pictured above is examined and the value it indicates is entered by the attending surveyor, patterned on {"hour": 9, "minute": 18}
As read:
{"hour": 9, "minute": 21}
